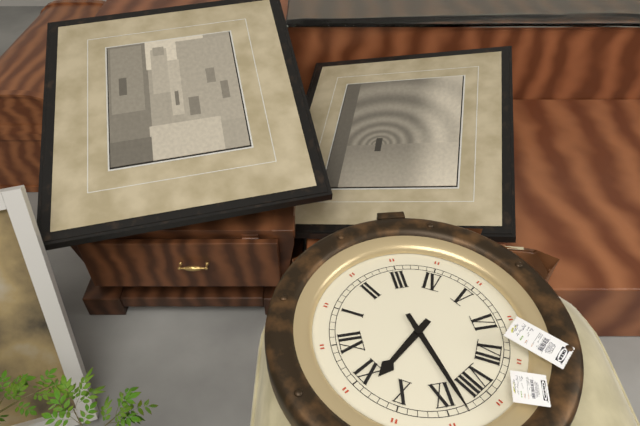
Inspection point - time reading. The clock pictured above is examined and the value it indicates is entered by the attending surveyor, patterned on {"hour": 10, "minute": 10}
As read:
{"hour": 10, "minute": 43}
